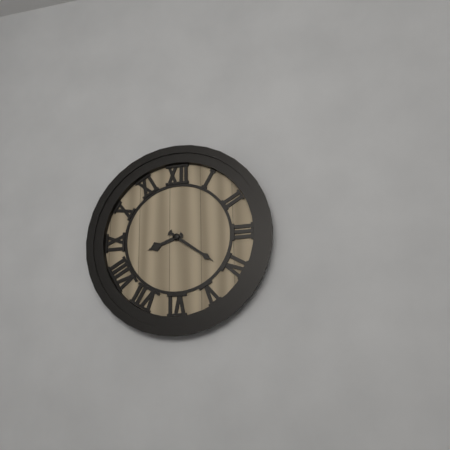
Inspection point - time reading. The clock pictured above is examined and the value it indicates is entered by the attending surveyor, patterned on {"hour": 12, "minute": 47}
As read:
{"hour": 8, "minute": 21}
